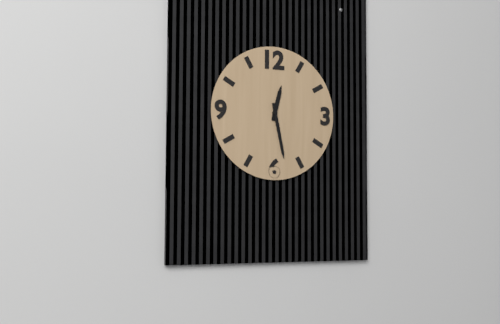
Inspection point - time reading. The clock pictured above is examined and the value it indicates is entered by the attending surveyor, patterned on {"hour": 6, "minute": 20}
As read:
{"hour": 12, "minute": 28}
